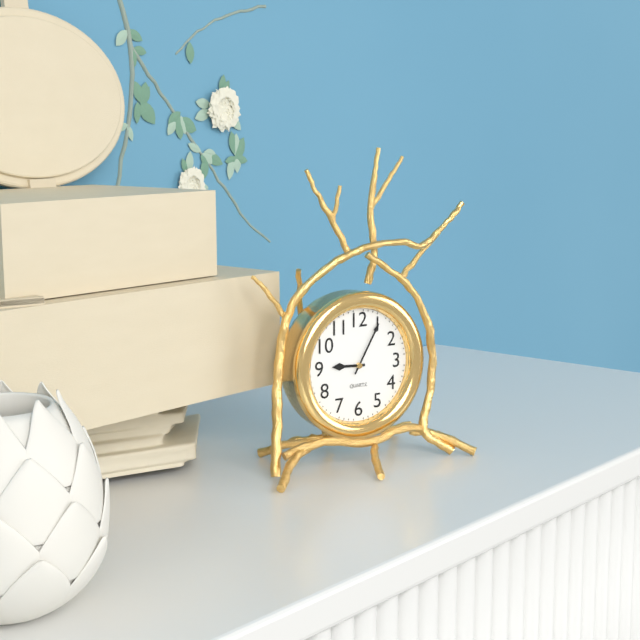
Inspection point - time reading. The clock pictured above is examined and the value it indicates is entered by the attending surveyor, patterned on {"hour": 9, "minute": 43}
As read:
{"hour": 9, "minute": 5}
